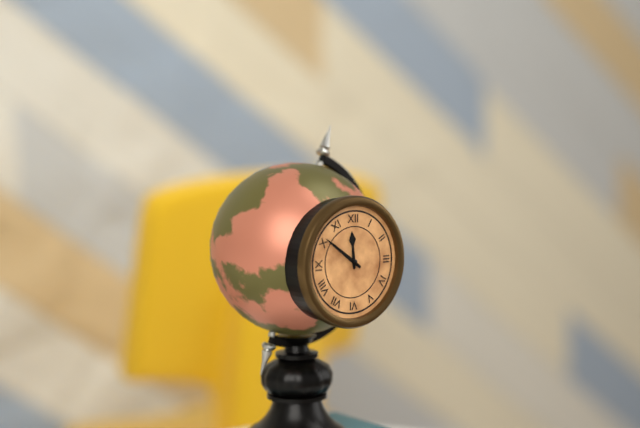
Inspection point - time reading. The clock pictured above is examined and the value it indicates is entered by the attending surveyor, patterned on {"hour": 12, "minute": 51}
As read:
{"hour": 11, "minute": 51}
